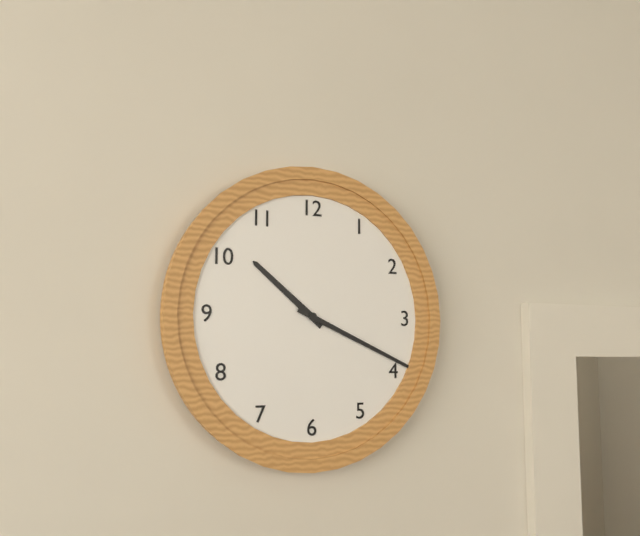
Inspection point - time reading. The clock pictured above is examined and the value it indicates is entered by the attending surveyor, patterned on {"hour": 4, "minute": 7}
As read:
{"hour": 10, "minute": 19}
